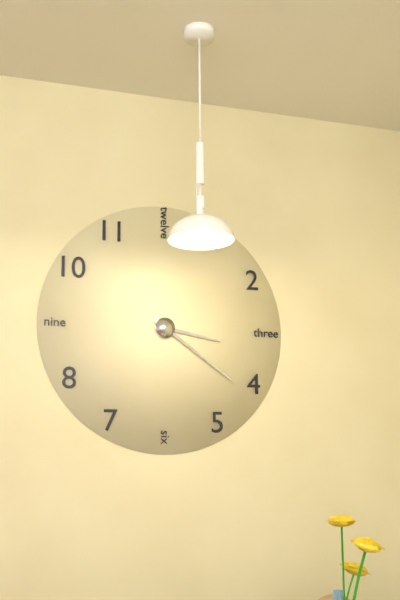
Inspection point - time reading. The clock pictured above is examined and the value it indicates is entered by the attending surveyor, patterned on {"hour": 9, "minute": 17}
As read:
{"hour": 3, "minute": 21}
